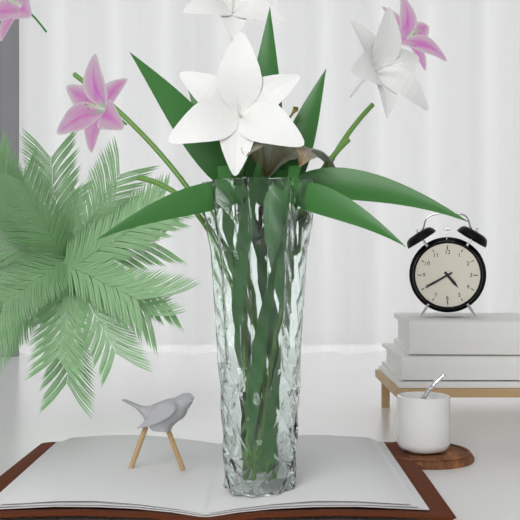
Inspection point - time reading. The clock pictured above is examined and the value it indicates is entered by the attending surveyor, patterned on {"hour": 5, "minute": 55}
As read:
{"hour": 4, "minute": 40}
